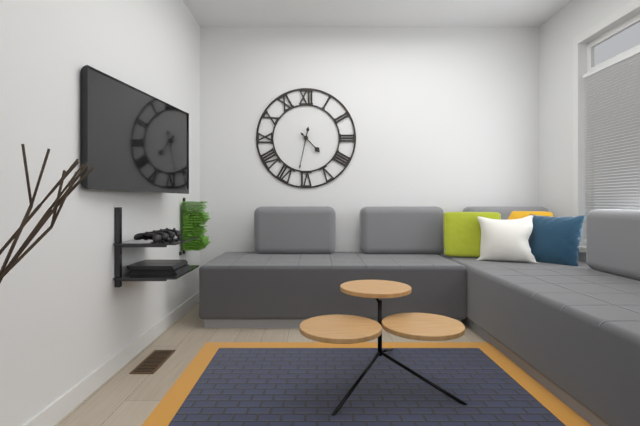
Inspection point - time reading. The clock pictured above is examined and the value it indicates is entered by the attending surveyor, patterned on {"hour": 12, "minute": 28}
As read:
{"hour": 4, "minute": 32}
